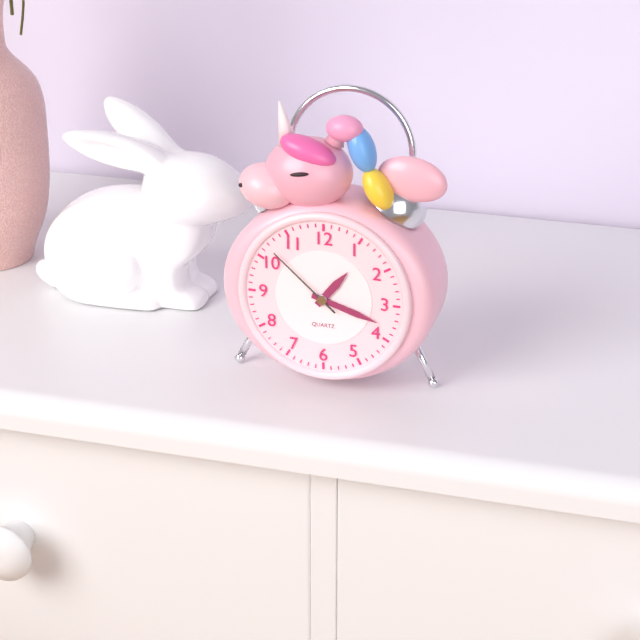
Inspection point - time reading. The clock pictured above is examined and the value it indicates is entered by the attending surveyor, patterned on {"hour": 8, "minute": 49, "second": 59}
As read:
{"hour": 1, "minute": 18, "second": 52}
